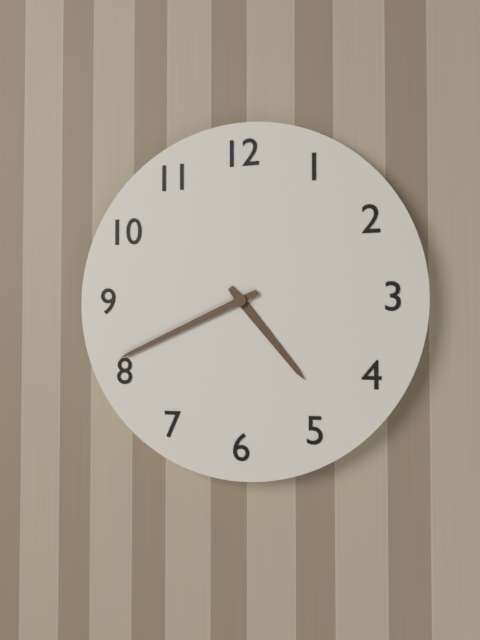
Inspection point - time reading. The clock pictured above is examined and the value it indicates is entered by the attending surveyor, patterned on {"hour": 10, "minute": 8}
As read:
{"hour": 4, "minute": 41}
